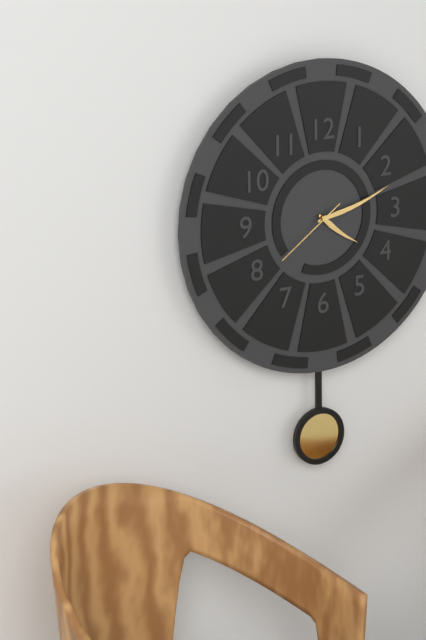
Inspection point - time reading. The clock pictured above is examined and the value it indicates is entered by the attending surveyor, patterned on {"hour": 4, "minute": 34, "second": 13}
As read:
{"hour": 4, "minute": 12, "second": 39}
